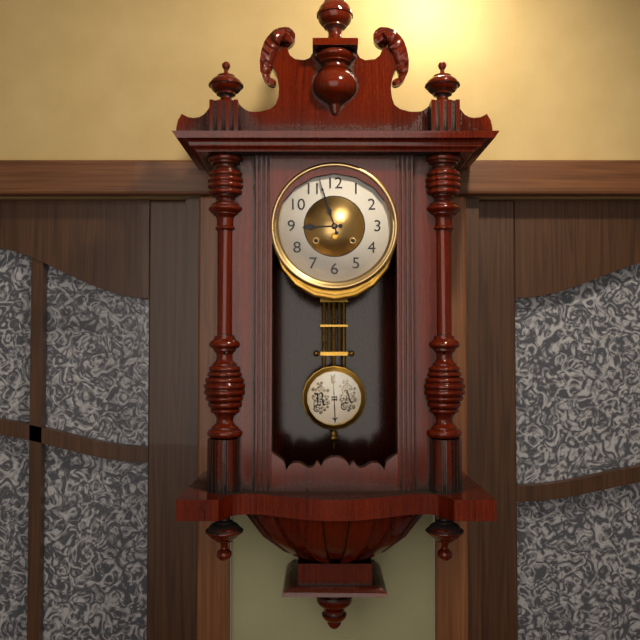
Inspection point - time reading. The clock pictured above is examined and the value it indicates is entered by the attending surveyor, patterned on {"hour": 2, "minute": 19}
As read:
{"hour": 8, "minute": 57}
